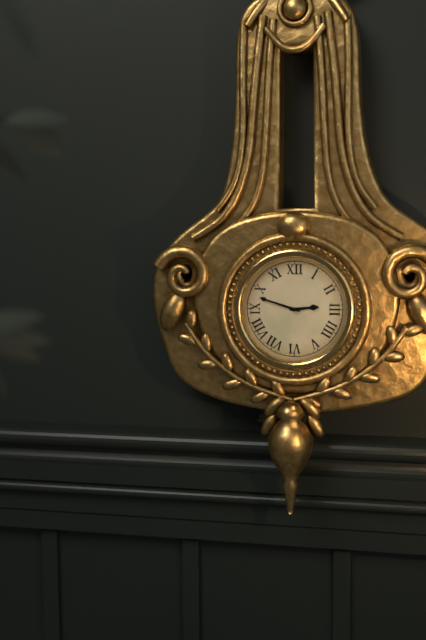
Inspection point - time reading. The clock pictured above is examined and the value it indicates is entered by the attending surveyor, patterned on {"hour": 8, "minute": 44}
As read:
{"hour": 2, "minute": 48}
